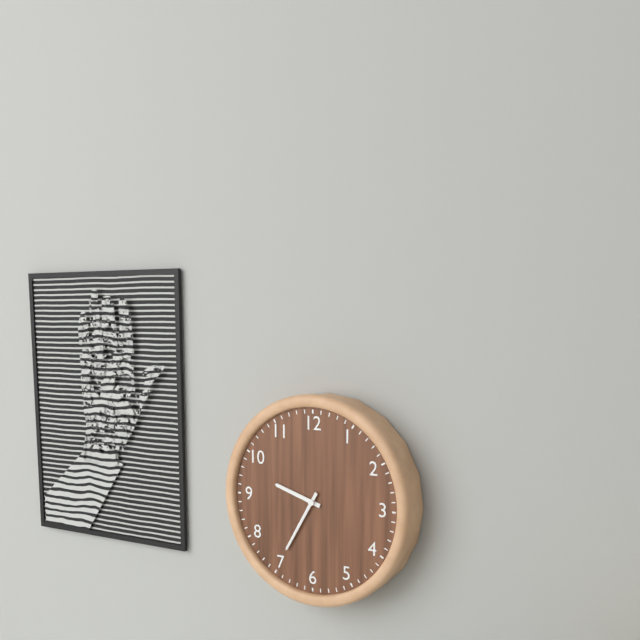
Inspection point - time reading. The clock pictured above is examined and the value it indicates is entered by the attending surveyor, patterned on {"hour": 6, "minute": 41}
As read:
{"hour": 9, "minute": 35}
